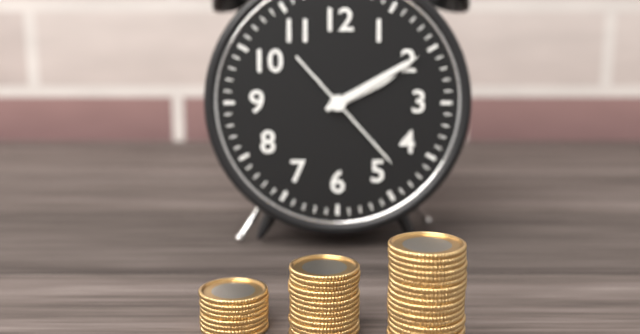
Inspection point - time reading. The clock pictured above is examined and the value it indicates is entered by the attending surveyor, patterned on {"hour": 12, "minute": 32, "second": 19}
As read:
{"hour": 2, "minute": 10, "second": 23}
